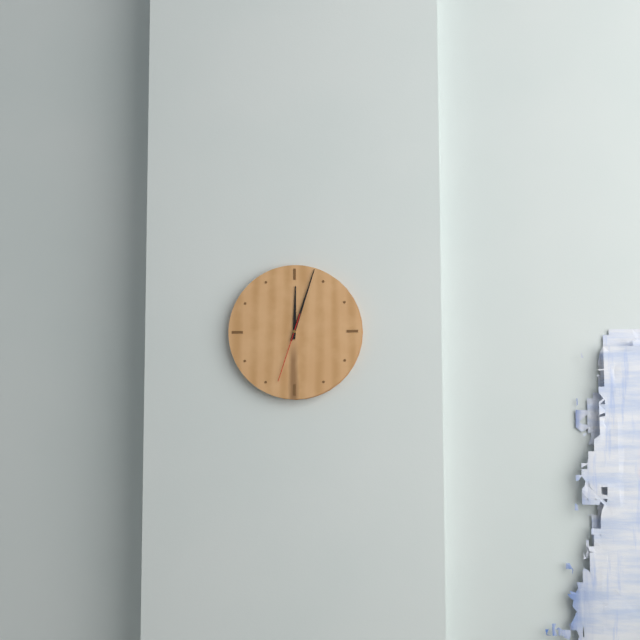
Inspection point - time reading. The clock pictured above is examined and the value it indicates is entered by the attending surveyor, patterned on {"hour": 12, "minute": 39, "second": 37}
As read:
{"hour": 12, "minute": 3, "second": 33}
